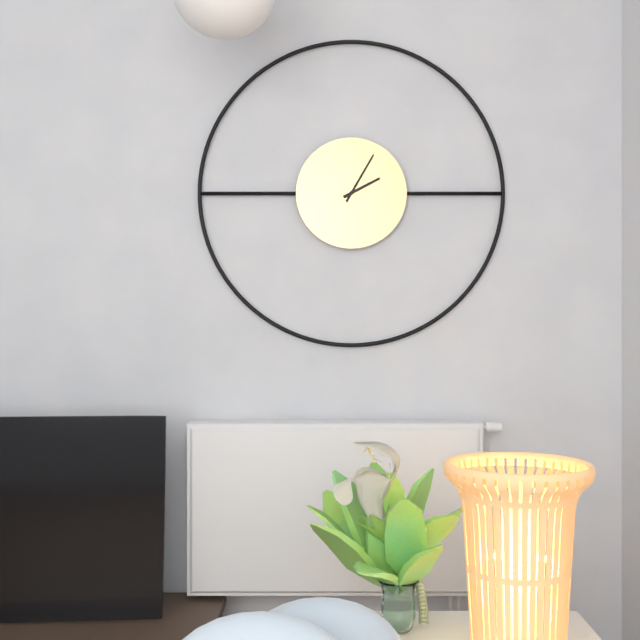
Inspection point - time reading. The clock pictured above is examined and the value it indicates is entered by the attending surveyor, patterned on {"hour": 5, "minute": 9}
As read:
{"hour": 2, "minute": 5}
